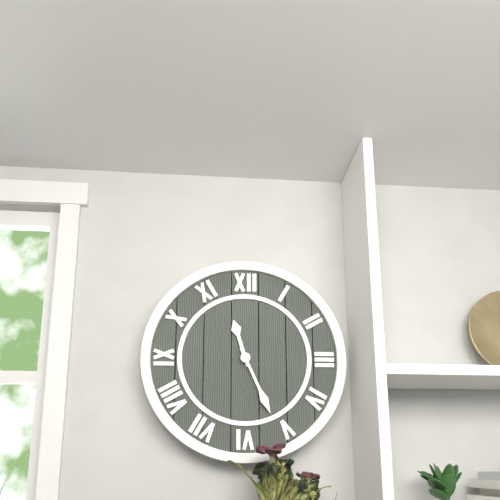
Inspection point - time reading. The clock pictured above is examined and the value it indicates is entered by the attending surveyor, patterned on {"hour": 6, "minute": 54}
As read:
{"hour": 11, "minute": 26}
